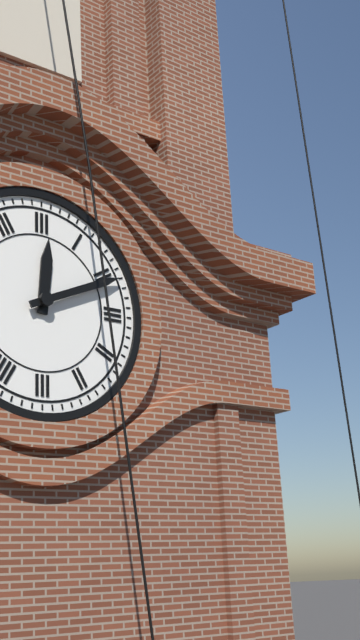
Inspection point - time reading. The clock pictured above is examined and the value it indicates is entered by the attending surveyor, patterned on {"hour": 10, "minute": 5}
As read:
{"hour": 12, "minute": 11}
